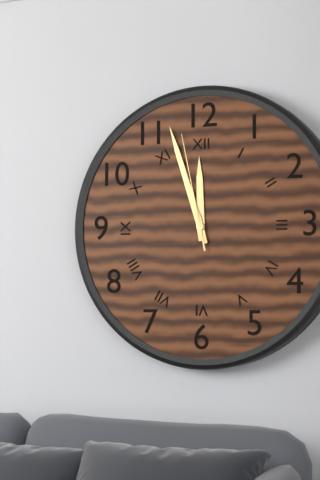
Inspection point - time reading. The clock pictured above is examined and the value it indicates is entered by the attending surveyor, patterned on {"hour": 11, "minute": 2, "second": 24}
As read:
{"hour": 11, "minute": 57, "second": 58}
